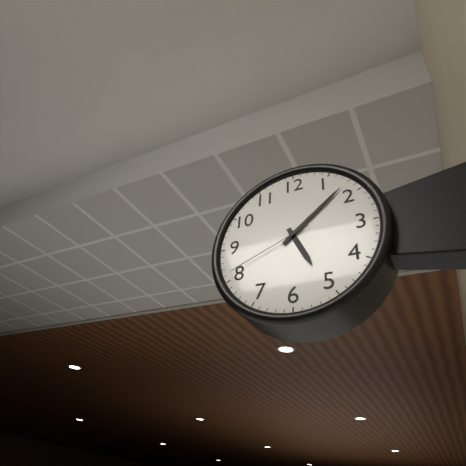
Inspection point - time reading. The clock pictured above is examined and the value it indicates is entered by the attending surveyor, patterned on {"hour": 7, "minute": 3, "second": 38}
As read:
{"hour": 5, "minute": 8, "second": 41}
